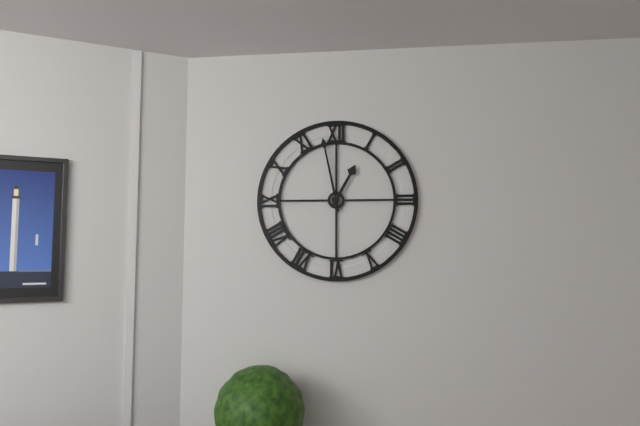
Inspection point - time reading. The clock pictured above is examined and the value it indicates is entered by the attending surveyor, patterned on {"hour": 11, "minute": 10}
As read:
{"hour": 12, "minute": 58}
